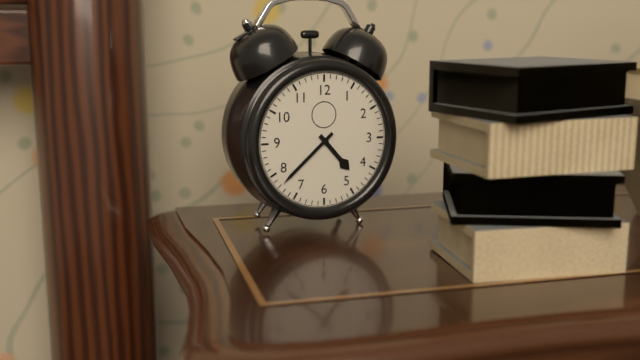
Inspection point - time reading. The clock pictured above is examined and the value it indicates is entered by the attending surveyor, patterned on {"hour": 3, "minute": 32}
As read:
{"hour": 4, "minute": 38}
